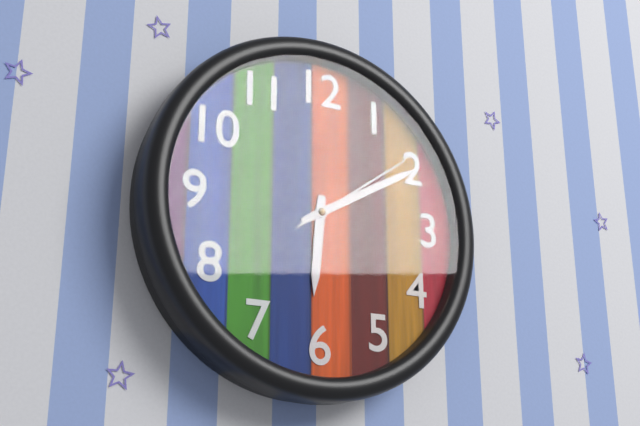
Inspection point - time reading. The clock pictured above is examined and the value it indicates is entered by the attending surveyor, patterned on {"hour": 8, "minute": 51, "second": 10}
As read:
{"hour": 6, "minute": 10, "second": 9}
